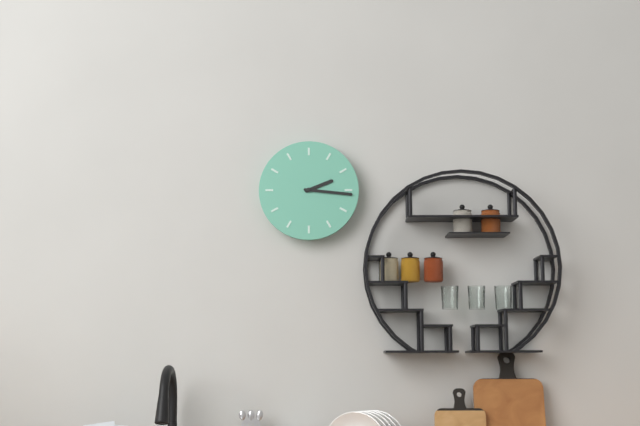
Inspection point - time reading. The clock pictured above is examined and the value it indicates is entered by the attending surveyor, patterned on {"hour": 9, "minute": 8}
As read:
{"hour": 2, "minute": 16}
